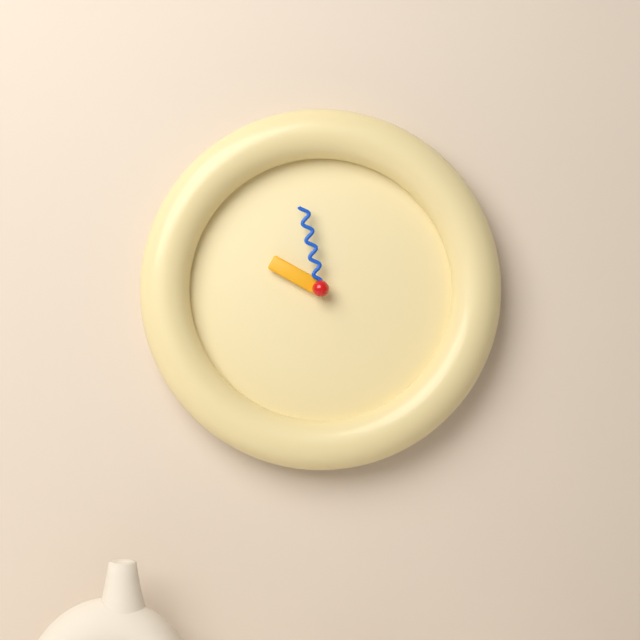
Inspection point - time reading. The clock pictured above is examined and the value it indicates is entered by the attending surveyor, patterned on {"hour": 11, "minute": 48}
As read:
{"hour": 9, "minute": 58}
